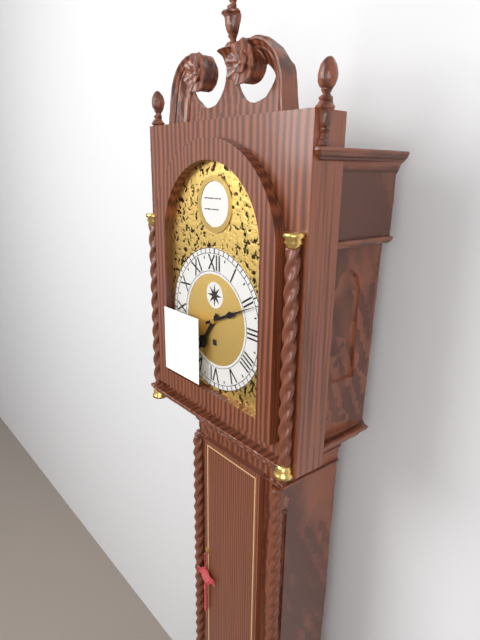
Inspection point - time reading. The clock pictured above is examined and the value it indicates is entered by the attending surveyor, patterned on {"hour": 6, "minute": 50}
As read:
{"hour": 7, "minute": 11}
